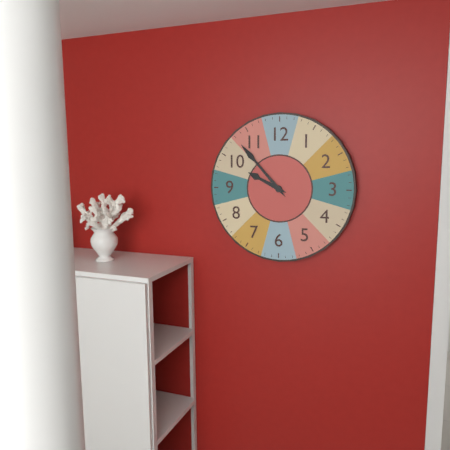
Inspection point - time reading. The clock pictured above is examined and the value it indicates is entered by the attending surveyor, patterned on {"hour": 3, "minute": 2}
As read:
{"hour": 9, "minute": 53}
